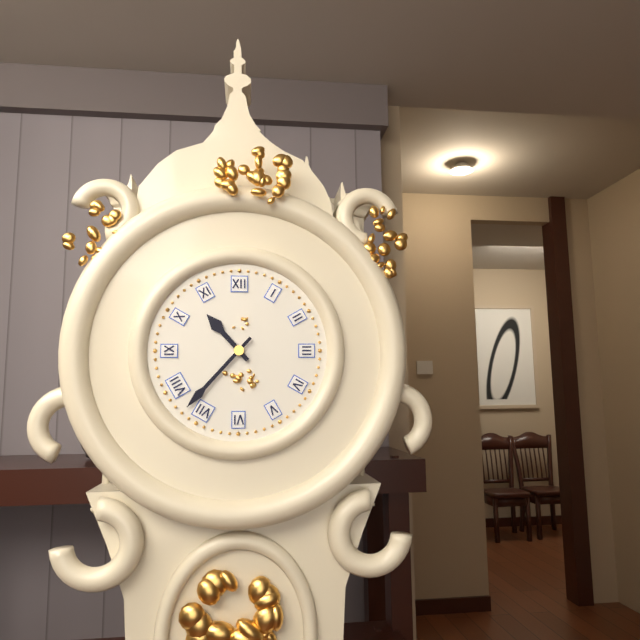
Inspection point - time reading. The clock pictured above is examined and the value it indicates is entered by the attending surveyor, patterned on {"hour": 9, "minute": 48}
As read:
{"hour": 10, "minute": 37}
